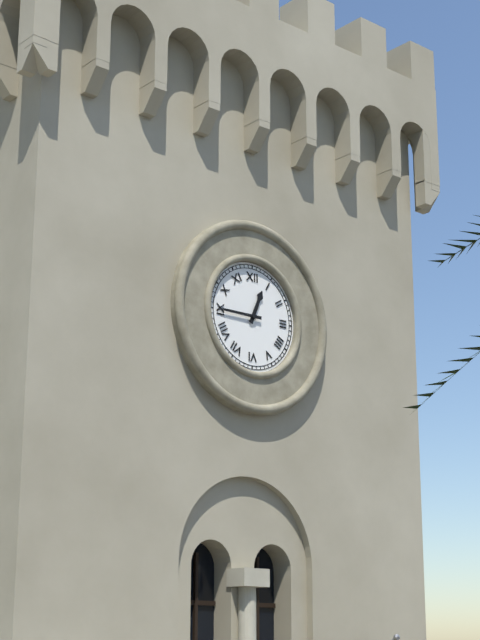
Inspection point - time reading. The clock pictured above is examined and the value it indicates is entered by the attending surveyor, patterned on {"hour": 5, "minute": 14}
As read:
{"hour": 12, "minute": 45}
